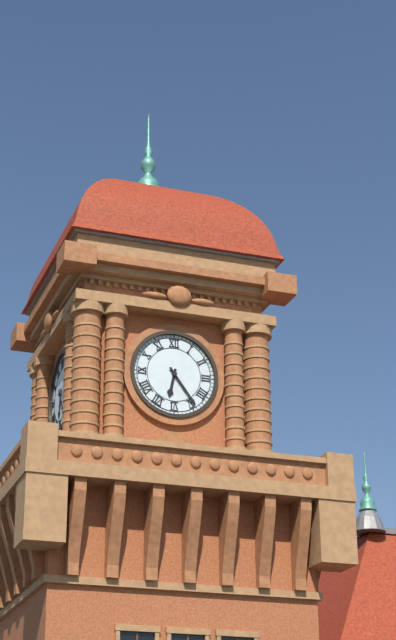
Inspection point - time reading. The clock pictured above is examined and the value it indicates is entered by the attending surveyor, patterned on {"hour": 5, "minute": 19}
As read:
{"hour": 6, "minute": 24}
